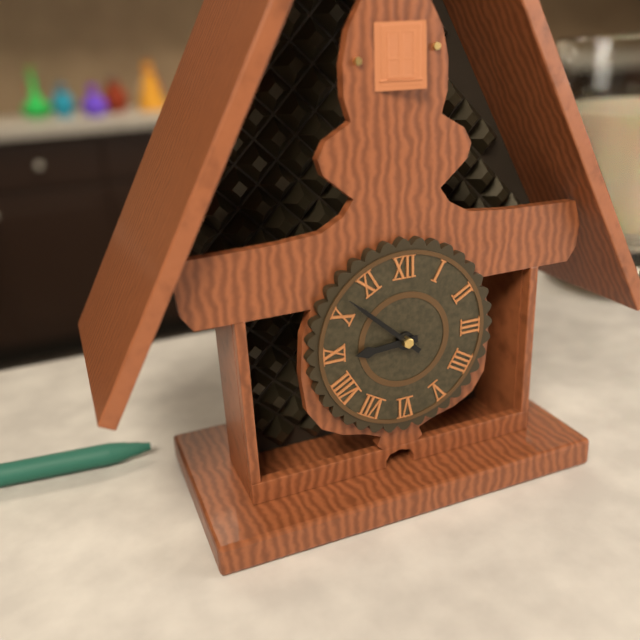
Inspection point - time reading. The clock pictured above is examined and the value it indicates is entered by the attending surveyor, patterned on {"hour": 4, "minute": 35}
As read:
{"hour": 8, "minute": 52}
